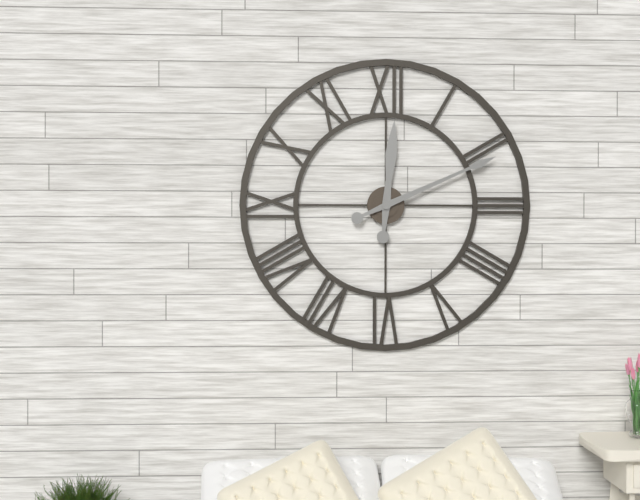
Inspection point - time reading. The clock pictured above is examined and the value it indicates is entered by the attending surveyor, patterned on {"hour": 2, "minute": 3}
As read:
{"hour": 12, "minute": 11}
